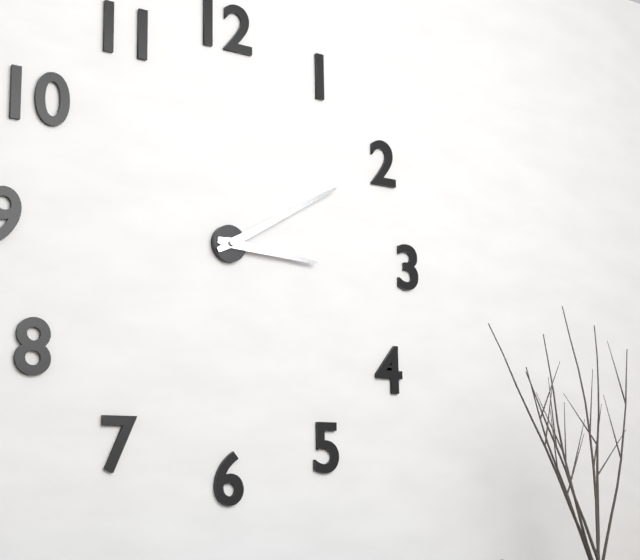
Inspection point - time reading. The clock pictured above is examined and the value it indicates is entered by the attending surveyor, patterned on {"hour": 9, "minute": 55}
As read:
{"hour": 3, "minute": 10}
